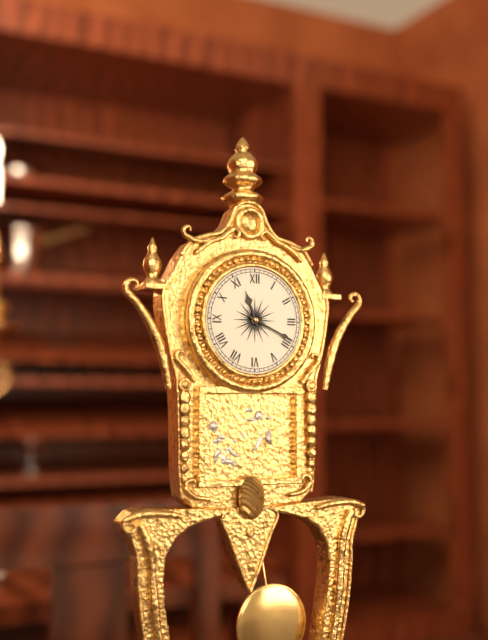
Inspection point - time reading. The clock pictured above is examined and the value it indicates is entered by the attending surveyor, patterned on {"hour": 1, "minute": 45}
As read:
{"hour": 11, "minute": 19}
